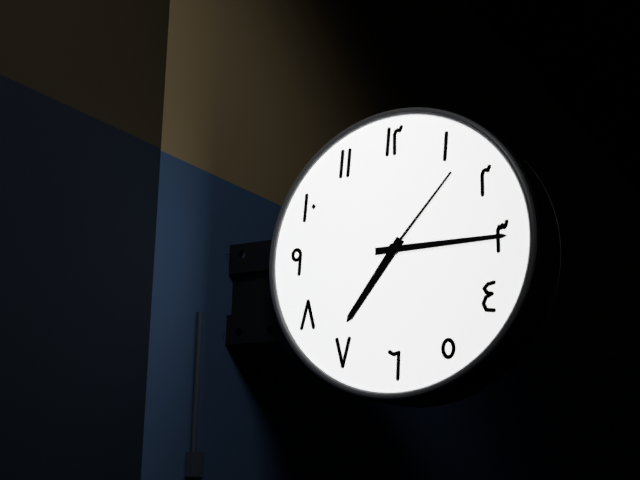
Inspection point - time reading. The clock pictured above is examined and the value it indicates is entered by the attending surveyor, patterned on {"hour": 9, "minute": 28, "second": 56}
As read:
{"hour": 7, "minute": 15, "second": 7}
